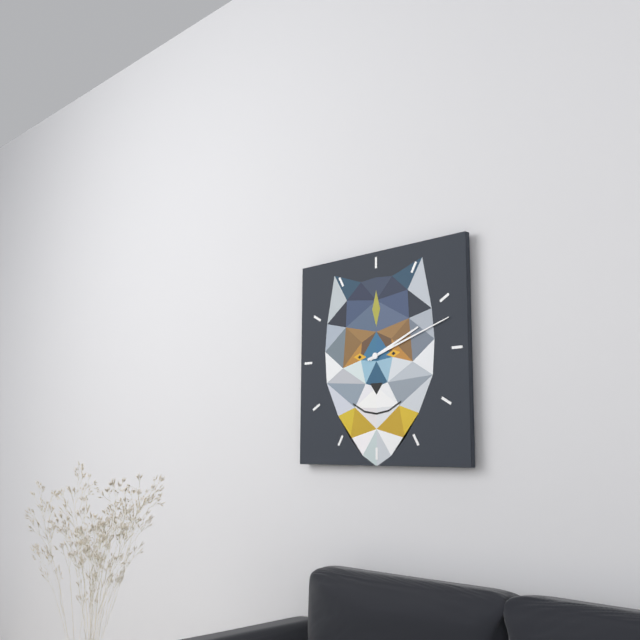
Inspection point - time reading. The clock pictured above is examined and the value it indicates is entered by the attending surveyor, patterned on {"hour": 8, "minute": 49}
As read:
{"hour": 2, "minute": 12}
